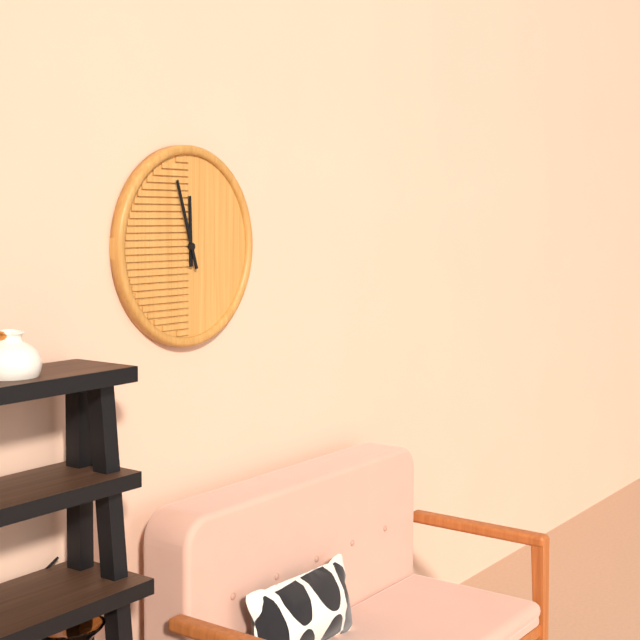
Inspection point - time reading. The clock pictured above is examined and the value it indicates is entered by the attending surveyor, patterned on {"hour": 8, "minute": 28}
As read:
{"hour": 11, "minute": 57}
